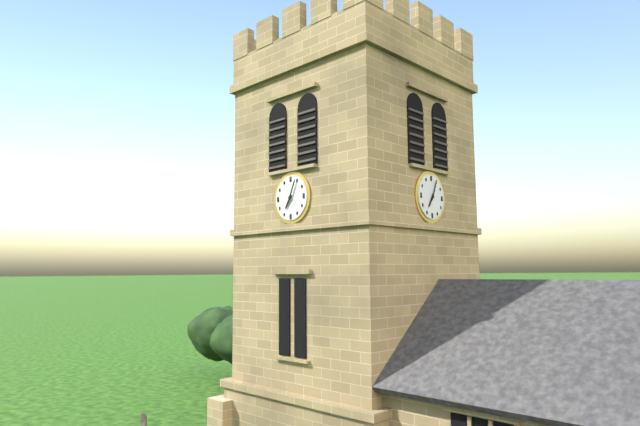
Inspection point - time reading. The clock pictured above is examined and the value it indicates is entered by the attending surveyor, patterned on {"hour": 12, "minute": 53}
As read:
{"hour": 7, "minute": 4}
